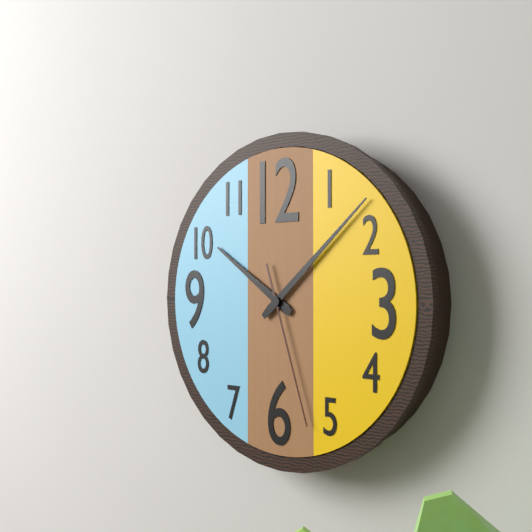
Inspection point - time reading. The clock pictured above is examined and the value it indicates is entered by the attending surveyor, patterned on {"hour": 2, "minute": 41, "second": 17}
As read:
{"hour": 10, "minute": 8, "second": 27}
